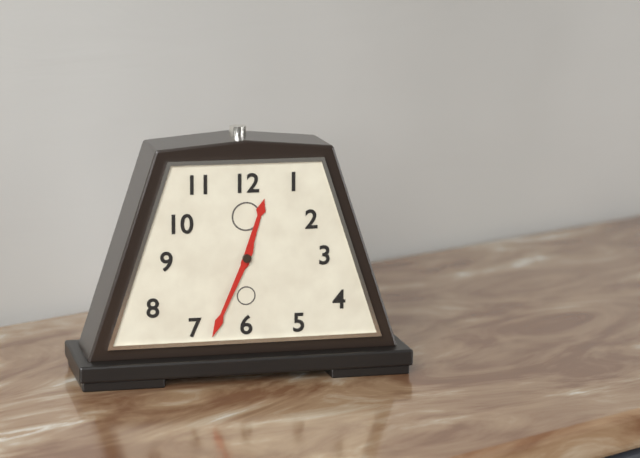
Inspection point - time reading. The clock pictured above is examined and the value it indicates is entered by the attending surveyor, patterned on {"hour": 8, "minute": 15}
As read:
{"hour": 12, "minute": 34}
